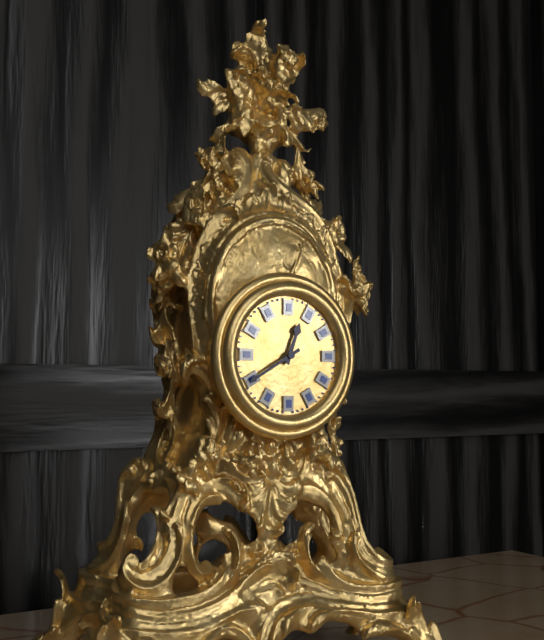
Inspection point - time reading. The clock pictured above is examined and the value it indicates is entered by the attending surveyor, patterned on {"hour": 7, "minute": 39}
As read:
{"hour": 12, "minute": 40}
